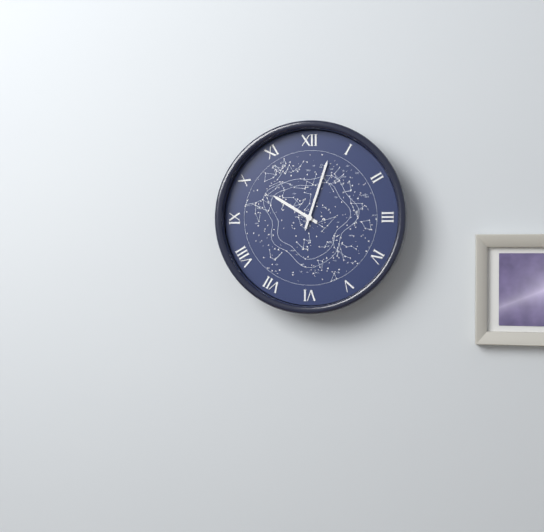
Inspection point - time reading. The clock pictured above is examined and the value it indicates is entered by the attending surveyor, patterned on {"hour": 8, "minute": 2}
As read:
{"hour": 10, "minute": 3}
